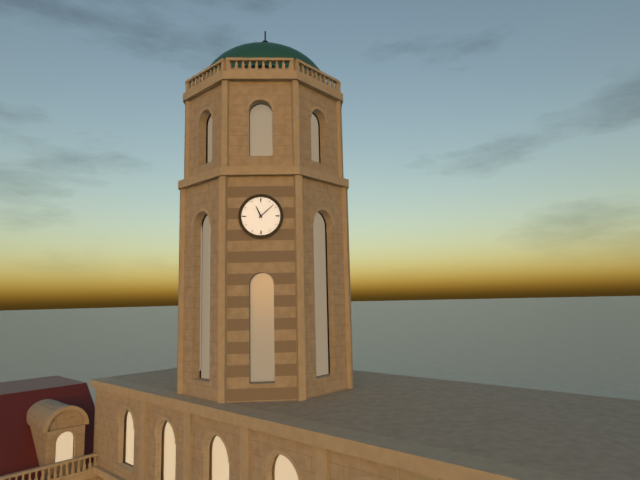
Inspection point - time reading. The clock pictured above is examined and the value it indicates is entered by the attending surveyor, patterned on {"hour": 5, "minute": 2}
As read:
{"hour": 11, "minute": 8}
